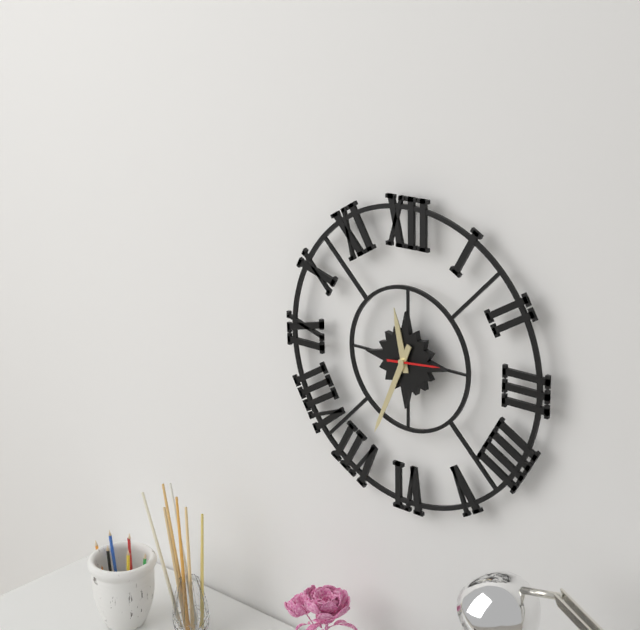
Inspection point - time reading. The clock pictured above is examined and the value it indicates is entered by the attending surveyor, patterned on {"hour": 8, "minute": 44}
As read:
{"hour": 11, "minute": 34}
